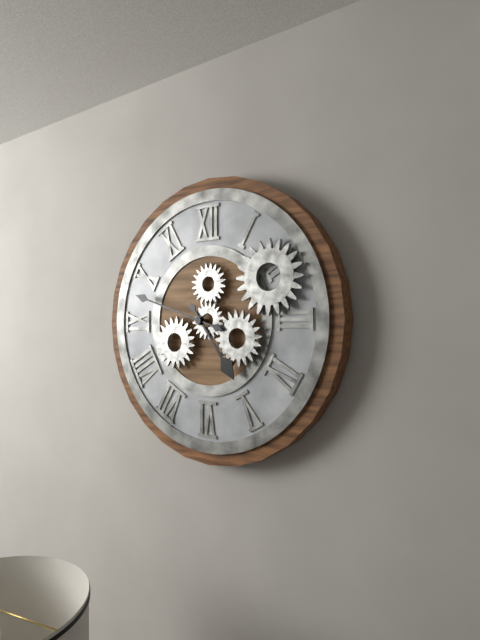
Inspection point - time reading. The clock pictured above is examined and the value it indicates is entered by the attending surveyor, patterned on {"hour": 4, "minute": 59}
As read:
{"hour": 4, "minute": 48}
